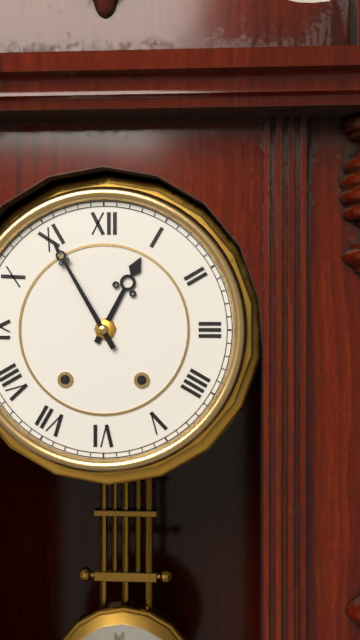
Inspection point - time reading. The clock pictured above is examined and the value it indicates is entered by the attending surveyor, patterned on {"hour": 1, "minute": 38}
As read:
{"hour": 12, "minute": 55}
